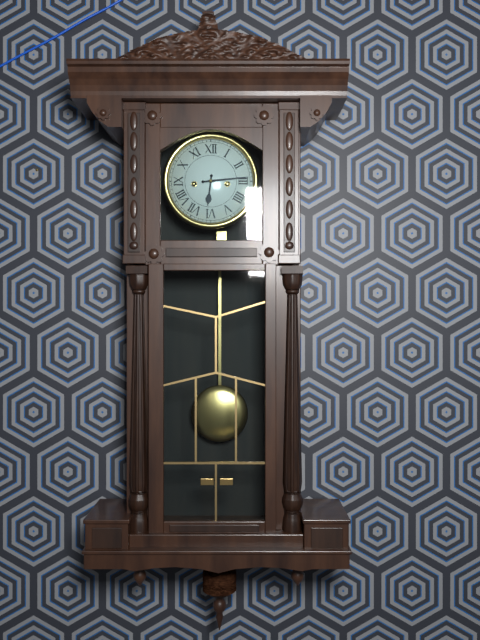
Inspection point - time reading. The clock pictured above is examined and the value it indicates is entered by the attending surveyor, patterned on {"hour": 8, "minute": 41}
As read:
{"hour": 6, "minute": 14}
